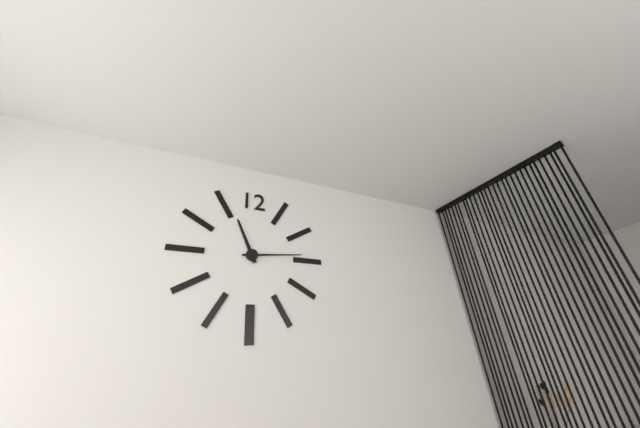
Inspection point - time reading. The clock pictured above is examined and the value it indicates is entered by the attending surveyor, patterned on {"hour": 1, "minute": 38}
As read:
{"hour": 11, "minute": 14}
